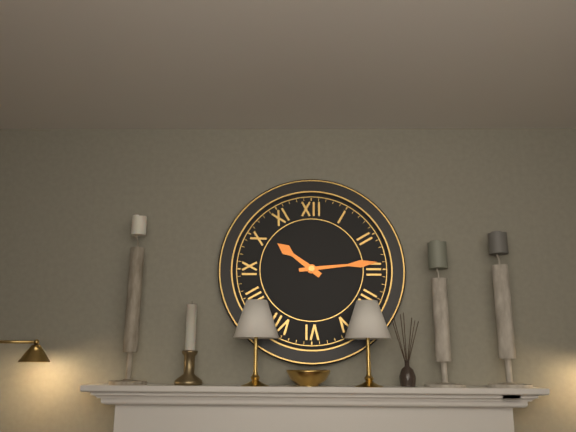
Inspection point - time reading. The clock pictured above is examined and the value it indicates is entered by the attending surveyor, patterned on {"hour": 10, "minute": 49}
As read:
{"hour": 10, "minute": 14}
